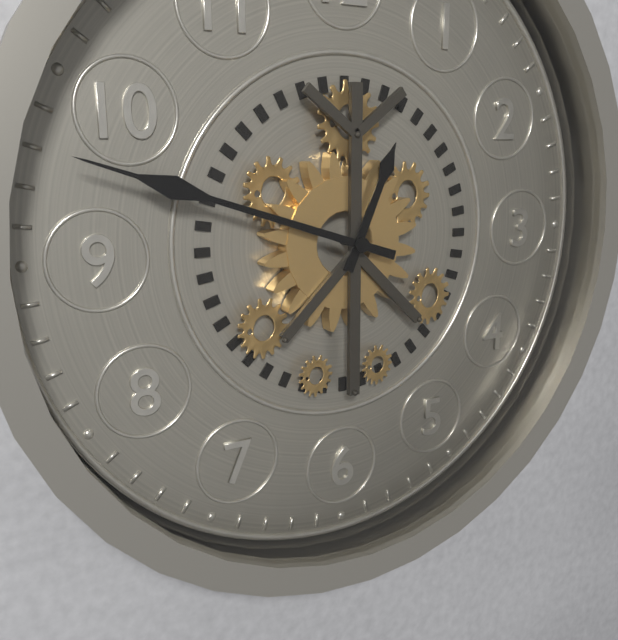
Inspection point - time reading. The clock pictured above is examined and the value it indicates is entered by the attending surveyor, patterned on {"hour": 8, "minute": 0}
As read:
{"hour": 12, "minute": 48}
